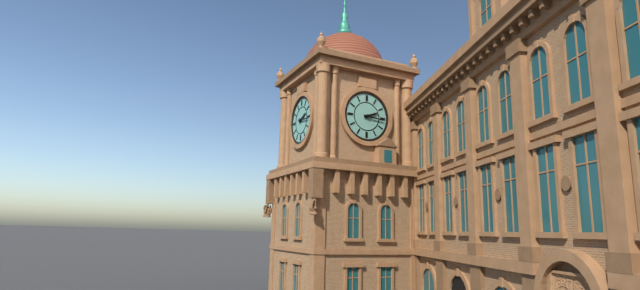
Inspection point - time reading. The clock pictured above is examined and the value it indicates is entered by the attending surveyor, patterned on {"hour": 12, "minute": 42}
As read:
{"hour": 2, "minute": 16}
